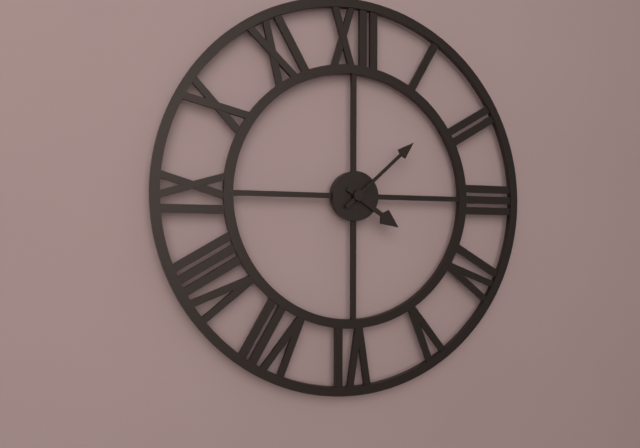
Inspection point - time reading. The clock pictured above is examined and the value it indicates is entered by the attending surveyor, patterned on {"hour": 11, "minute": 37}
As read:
{"hour": 4, "minute": 8}
